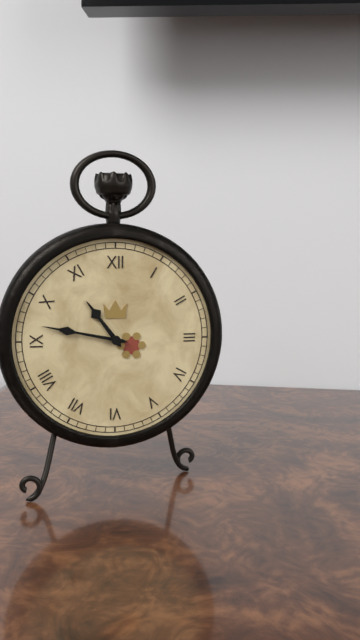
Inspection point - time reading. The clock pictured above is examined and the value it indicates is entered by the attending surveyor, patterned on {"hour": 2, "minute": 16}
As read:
{"hour": 10, "minute": 47}
